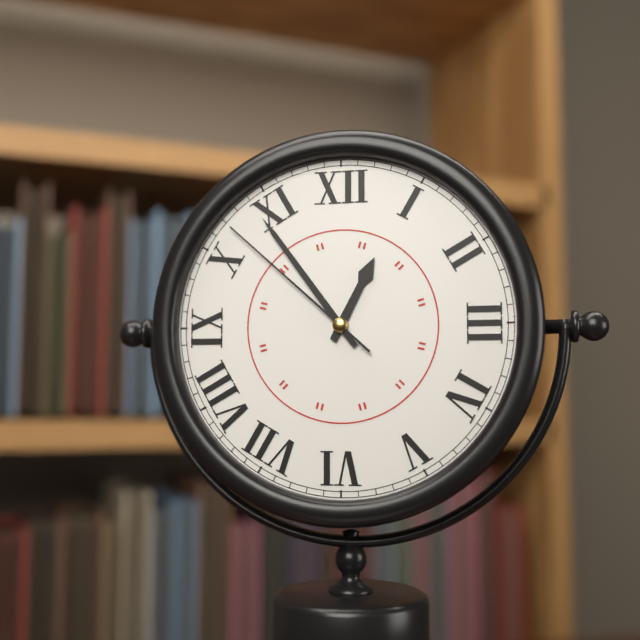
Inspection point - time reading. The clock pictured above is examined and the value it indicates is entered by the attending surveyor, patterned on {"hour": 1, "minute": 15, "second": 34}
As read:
{"hour": 12, "minute": 54, "second": 52}
